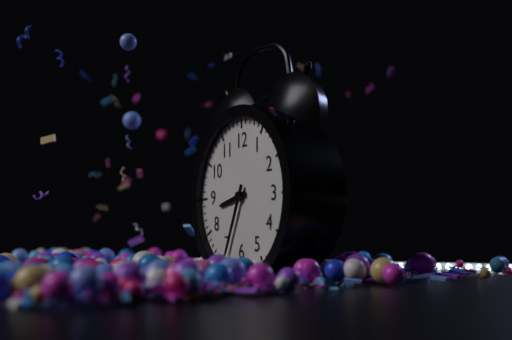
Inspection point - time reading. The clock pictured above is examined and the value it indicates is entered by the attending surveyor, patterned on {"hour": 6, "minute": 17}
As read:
{"hour": 8, "minute": 34}
